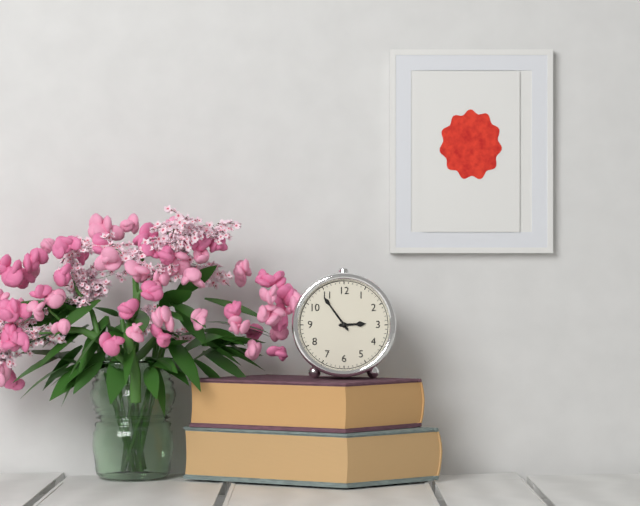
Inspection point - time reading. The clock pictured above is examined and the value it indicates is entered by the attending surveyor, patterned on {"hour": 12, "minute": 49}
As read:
{"hour": 2, "minute": 54}
